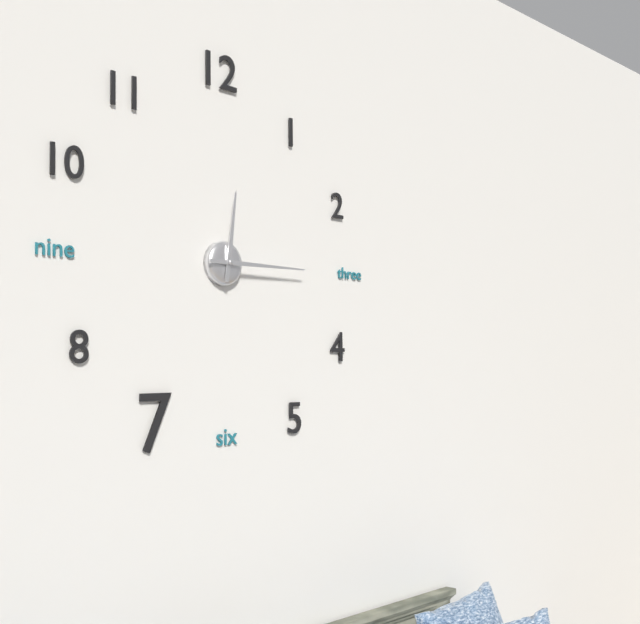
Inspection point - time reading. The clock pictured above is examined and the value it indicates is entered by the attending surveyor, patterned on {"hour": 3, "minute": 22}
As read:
{"hour": 12, "minute": 15}
